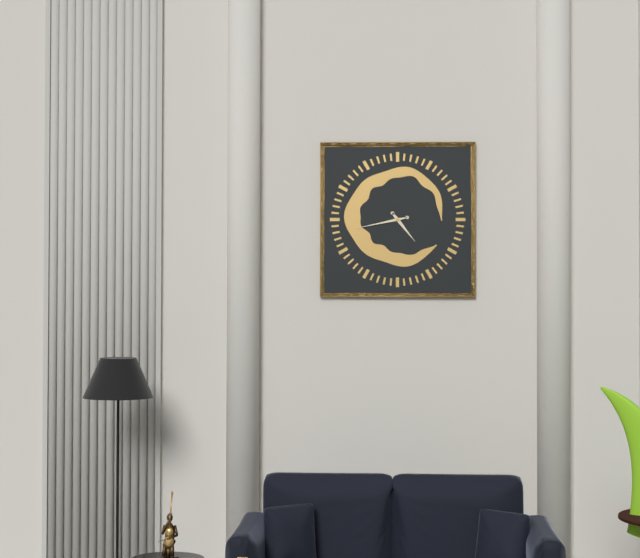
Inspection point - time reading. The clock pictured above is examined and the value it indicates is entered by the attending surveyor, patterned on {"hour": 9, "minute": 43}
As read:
{"hour": 4, "minute": 43}
